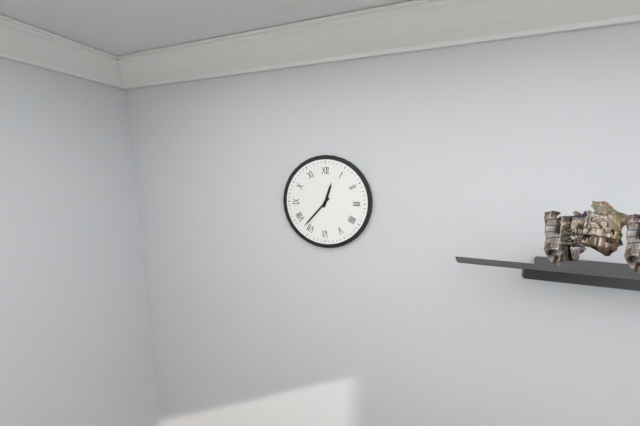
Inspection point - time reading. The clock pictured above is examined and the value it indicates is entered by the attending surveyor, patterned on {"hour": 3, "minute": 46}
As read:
{"hour": 12, "minute": 37}
